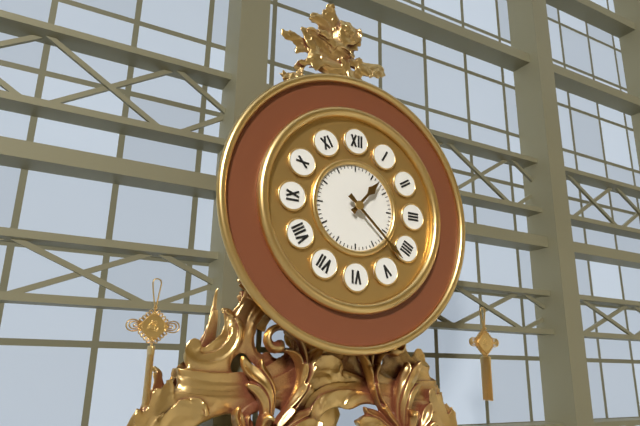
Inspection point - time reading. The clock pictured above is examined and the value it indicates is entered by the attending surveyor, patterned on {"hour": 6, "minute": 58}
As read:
{"hour": 1, "minute": 22}
